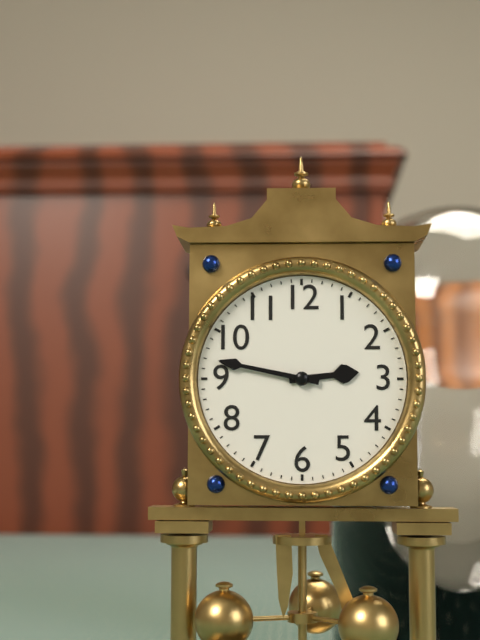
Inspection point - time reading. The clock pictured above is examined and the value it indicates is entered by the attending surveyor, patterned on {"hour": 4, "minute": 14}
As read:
{"hour": 2, "minute": 47}
